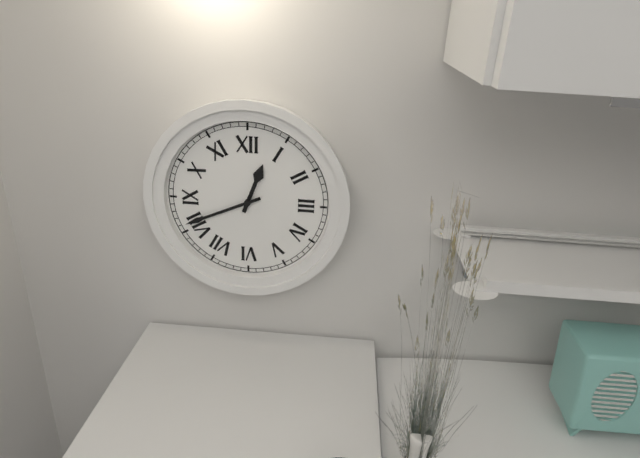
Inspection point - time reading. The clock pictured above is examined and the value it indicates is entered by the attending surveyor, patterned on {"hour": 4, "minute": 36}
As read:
{"hour": 12, "minute": 41}
